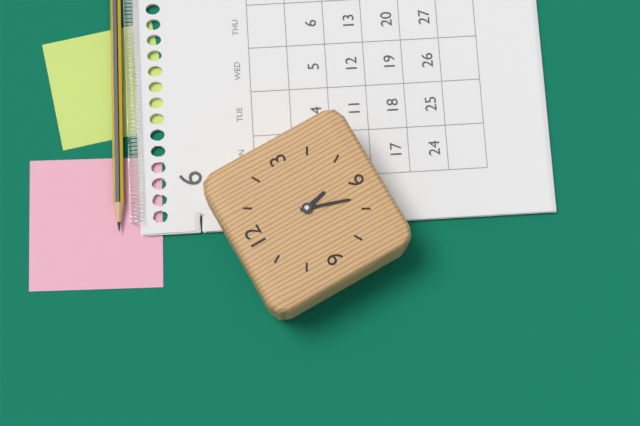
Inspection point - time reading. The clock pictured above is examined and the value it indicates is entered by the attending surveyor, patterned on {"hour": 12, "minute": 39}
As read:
{"hour": 5, "minute": 33}
